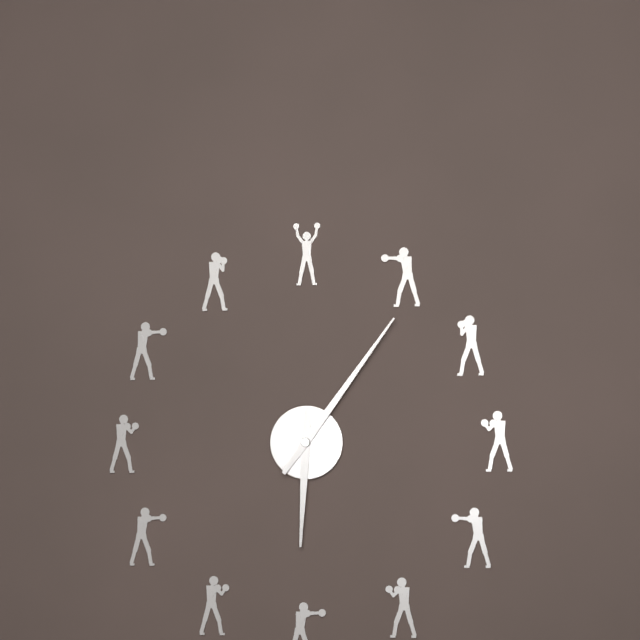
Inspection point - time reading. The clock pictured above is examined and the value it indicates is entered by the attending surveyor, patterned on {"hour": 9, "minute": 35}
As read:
{"hour": 6, "minute": 6}
